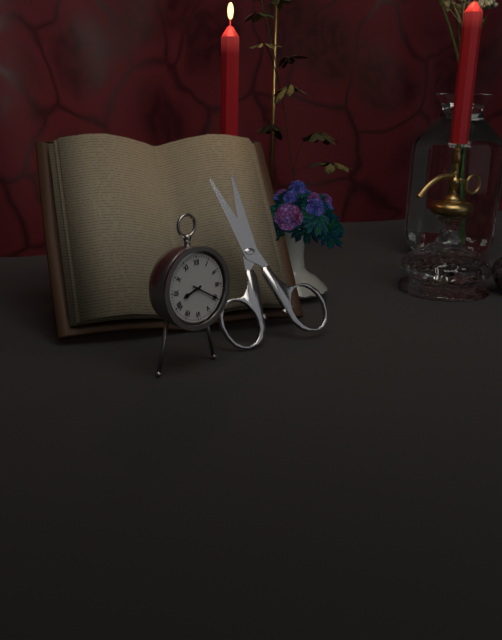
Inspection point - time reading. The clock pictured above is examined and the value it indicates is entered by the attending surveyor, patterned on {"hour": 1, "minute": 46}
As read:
{"hour": 8, "minute": 20}
